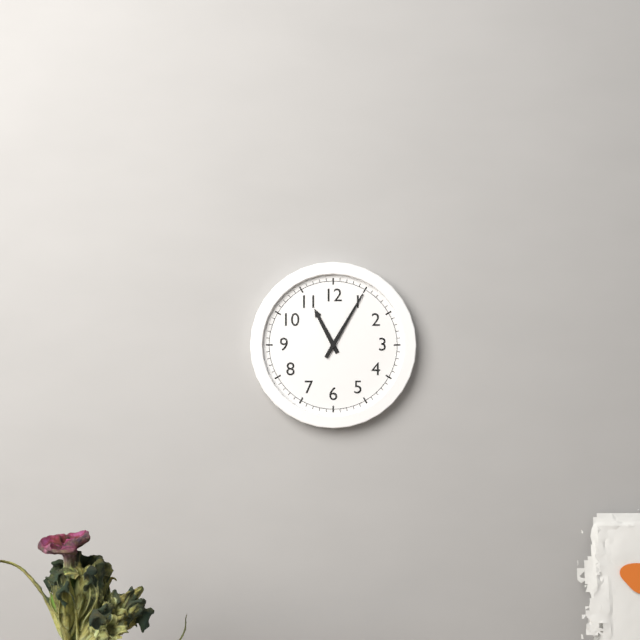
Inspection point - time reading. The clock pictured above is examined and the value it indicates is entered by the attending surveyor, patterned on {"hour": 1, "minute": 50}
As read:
{"hour": 11, "minute": 5}
